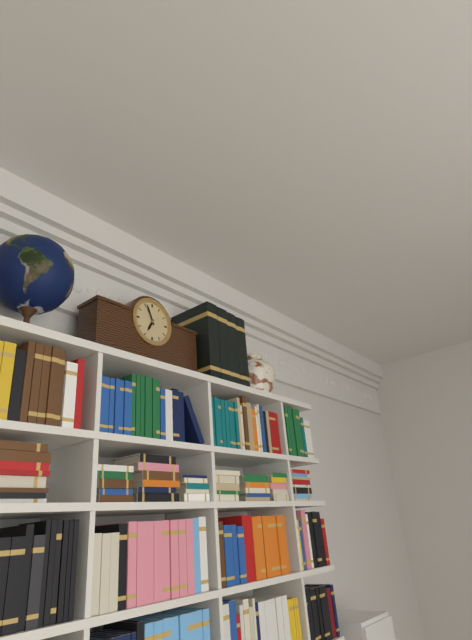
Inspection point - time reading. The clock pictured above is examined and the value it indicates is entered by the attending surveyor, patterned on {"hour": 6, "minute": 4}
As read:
{"hour": 6, "minute": 56}
